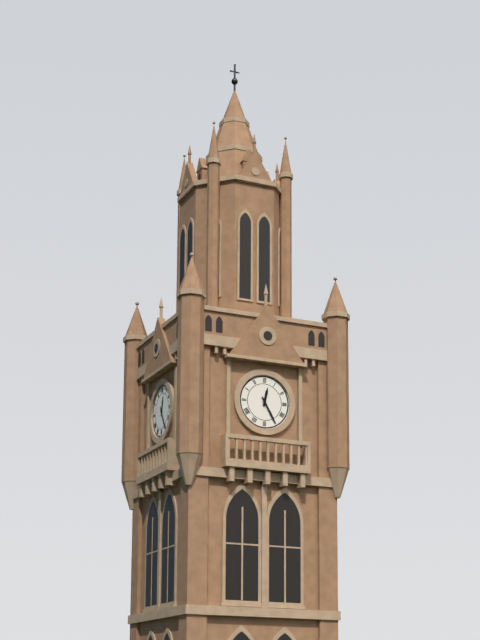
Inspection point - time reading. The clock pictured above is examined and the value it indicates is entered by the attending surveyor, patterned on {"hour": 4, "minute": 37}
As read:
{"hour": 12, "minute": 25}
